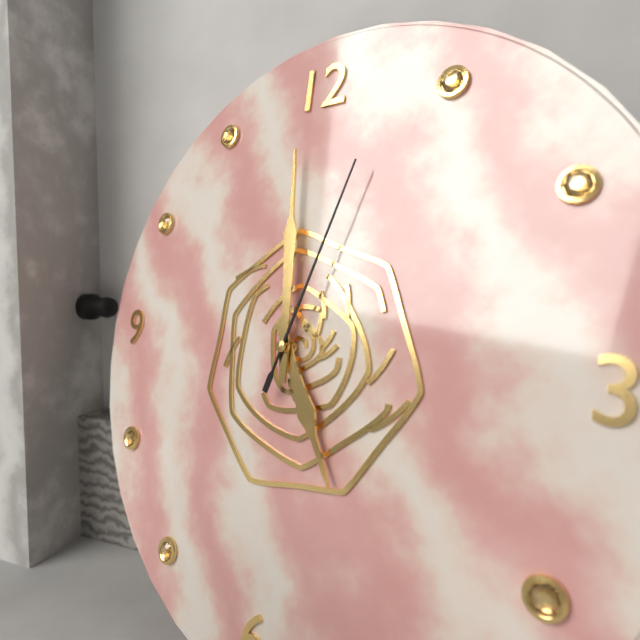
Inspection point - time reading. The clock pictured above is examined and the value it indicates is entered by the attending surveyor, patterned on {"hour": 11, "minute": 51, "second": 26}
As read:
{"hour": 4, "minute": 59, "second": 3}
